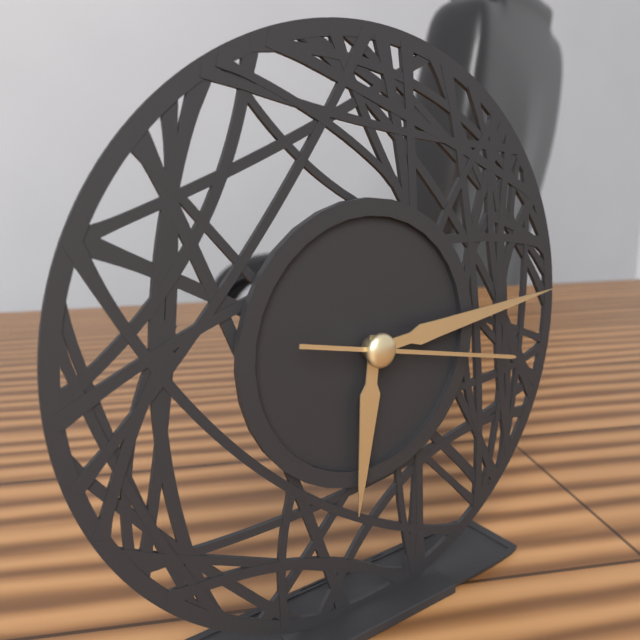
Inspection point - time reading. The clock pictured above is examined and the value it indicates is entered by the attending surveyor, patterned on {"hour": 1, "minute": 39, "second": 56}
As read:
{"hour": 6, "minute": 14, "second": 17}
